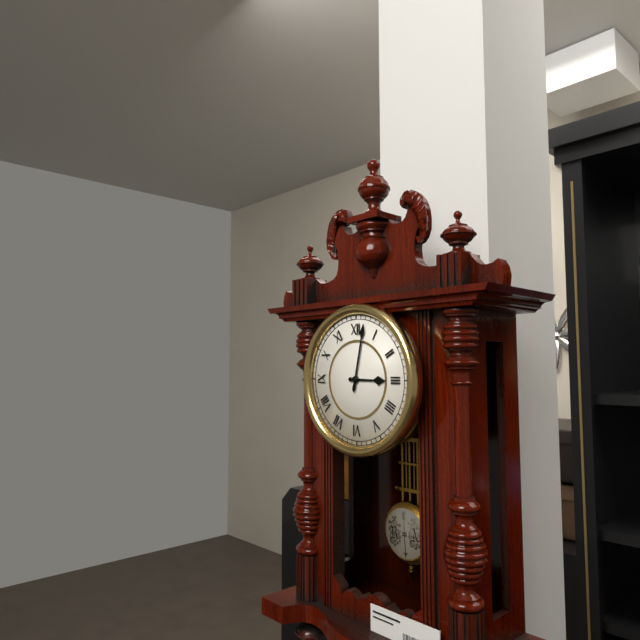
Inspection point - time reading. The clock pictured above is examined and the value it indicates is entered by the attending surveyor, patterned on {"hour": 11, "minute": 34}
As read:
{"hour": 3, "minute": 2}
